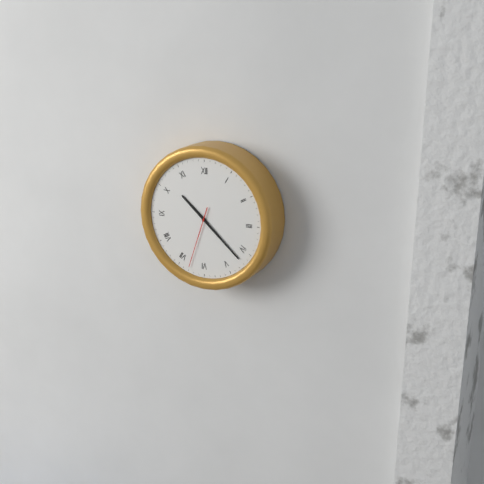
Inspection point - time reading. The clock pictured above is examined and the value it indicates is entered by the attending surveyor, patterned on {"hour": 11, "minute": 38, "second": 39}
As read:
{"hour": 10, "minute": 22, "second": 33}
